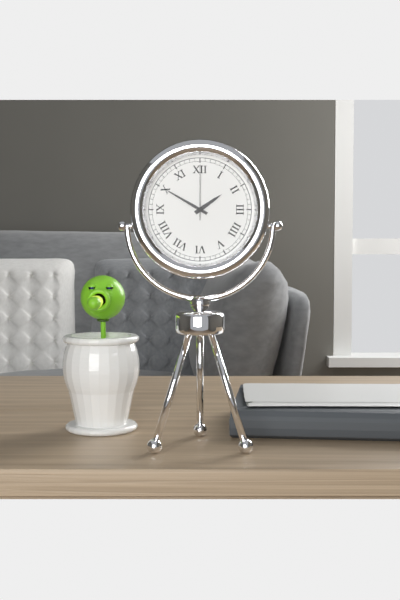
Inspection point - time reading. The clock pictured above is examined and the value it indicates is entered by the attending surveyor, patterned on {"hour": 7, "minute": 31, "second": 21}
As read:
{"hour": 1, "minute": 50, "second": 0}
